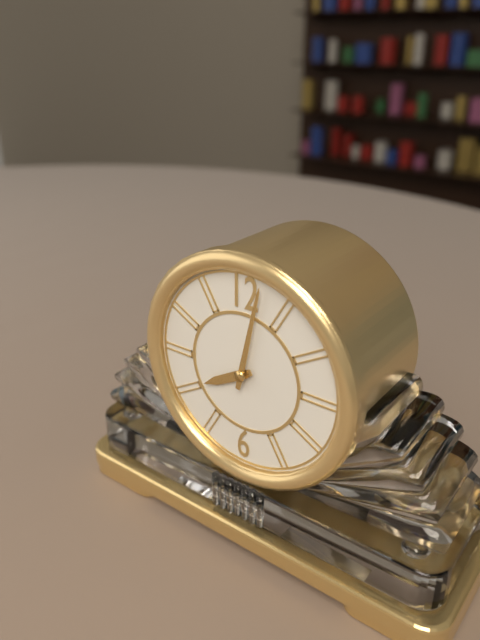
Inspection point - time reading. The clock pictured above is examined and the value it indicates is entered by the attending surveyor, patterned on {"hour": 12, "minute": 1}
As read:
{"hour": 8, "minute": 2}
